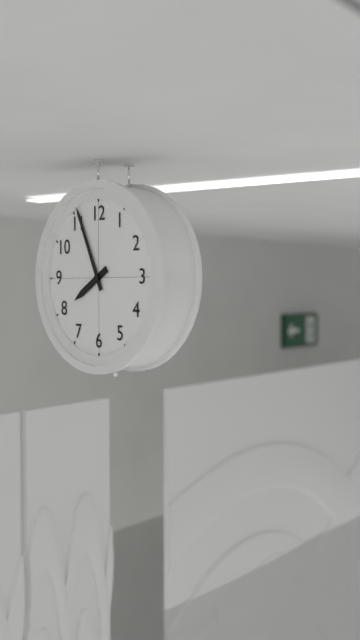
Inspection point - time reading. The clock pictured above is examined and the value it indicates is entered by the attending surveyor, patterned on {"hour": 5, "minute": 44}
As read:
{"hour": 7, "minute": 56}
